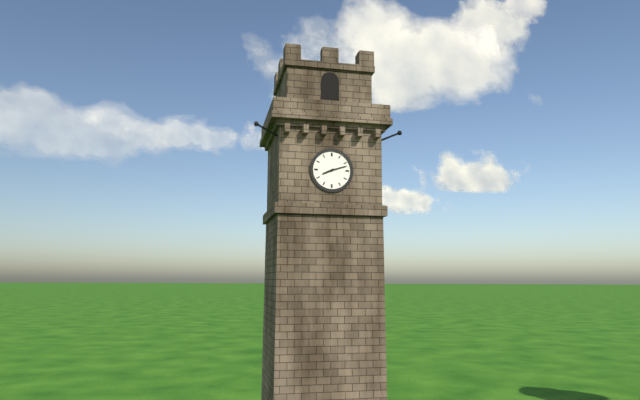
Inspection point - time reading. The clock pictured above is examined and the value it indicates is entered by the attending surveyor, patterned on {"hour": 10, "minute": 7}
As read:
{"hour": 8, "minute": 12}
